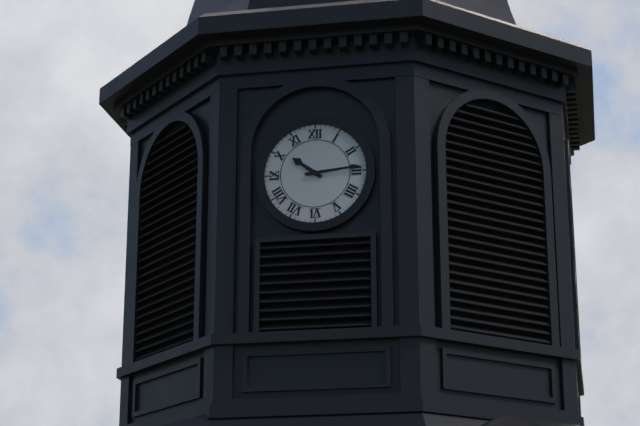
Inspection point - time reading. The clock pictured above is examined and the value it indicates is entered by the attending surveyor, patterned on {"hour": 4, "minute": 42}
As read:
{"hour": 10, "minute": 14}
